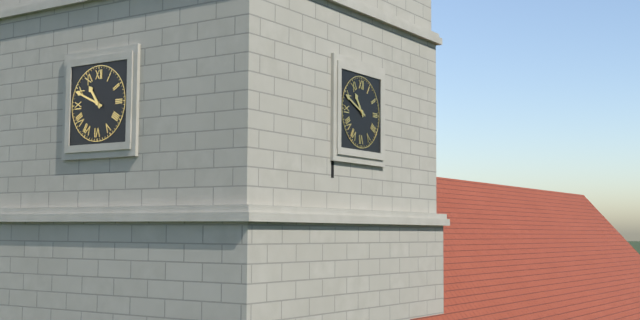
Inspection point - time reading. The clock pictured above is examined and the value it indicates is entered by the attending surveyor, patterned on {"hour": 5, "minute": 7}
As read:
{"hour": 10, "minute": 49}
